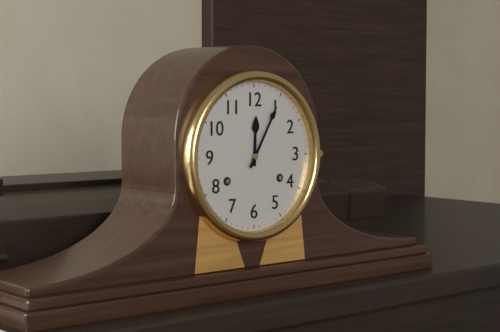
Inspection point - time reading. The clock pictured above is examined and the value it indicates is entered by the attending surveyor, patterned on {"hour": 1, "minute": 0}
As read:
{"hour": 12, "minute": 5}
